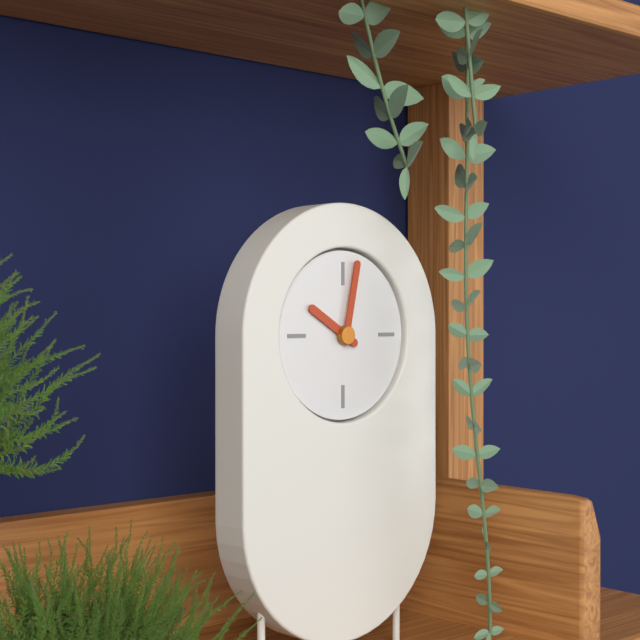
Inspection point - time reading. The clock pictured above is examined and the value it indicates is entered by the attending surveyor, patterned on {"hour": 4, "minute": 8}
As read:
{"hour": 10, "minute": 2}
